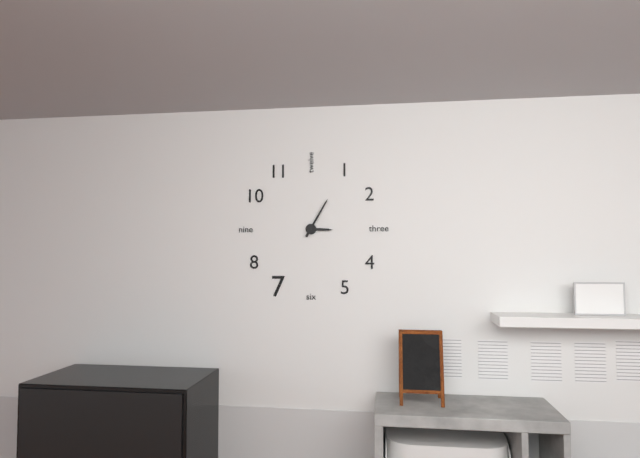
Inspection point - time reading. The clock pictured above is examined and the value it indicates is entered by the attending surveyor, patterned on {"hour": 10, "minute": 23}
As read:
{"hour": 3, "minute": 5}
